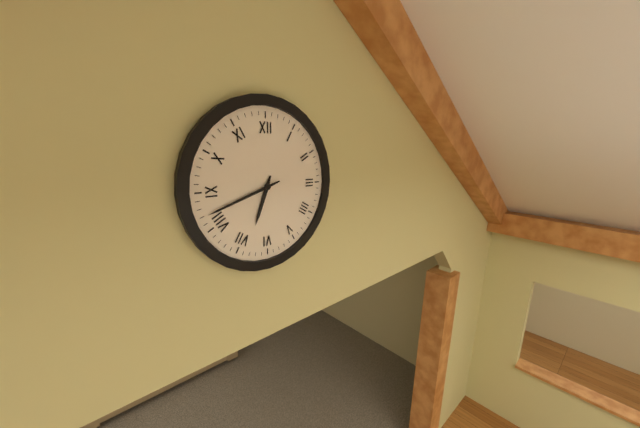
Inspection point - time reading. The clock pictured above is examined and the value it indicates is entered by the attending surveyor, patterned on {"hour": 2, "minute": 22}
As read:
{"hour": 6, "minute": 42}
